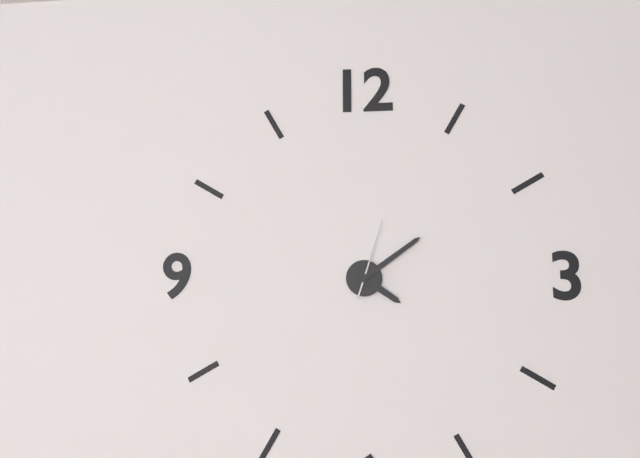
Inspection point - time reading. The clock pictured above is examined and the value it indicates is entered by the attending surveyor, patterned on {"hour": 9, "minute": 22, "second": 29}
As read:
{"hour": 4, "minute": 9, "second": 3}
